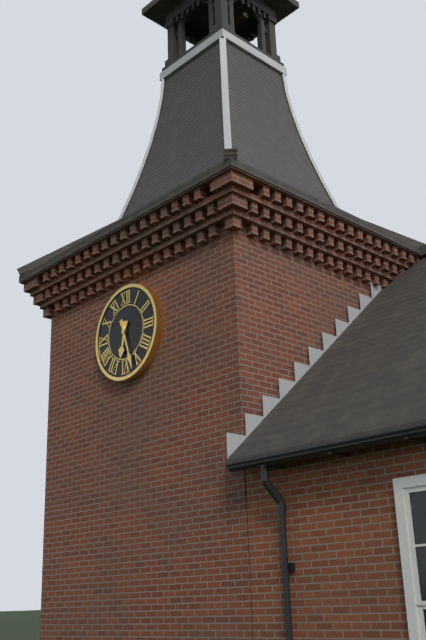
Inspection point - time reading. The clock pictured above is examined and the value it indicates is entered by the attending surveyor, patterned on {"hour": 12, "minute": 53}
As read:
{"hour": 6, "minute": 27}
